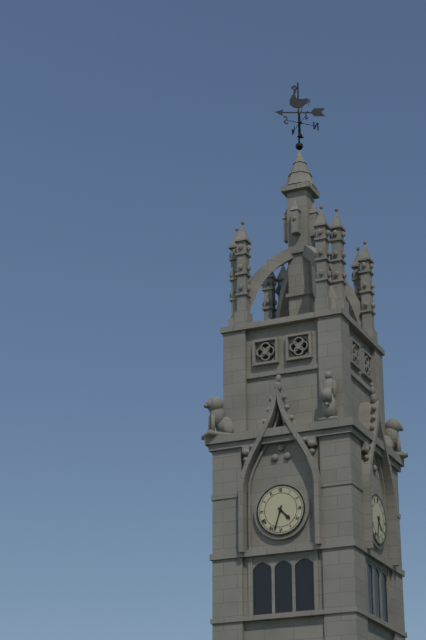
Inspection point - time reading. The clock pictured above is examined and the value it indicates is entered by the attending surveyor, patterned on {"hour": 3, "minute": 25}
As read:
{"hour": 4, "minute": 33}
